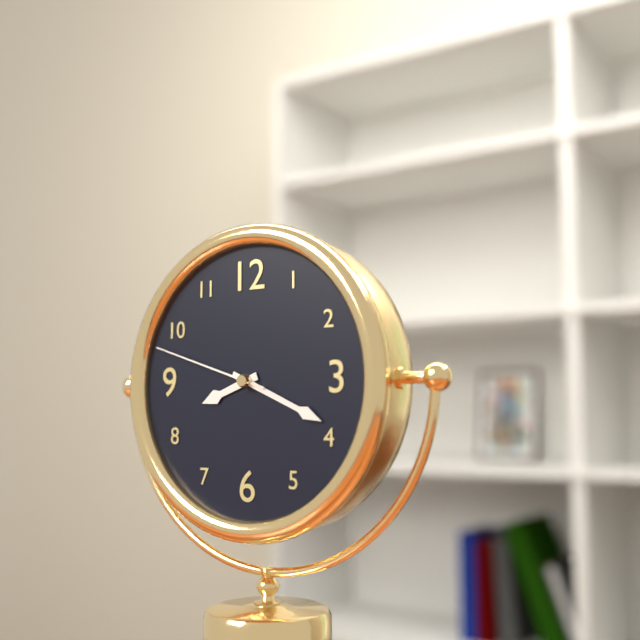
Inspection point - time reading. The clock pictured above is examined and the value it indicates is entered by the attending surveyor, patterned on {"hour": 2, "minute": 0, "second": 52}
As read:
{"hour": 8, "minute": 19, "second": 48}
